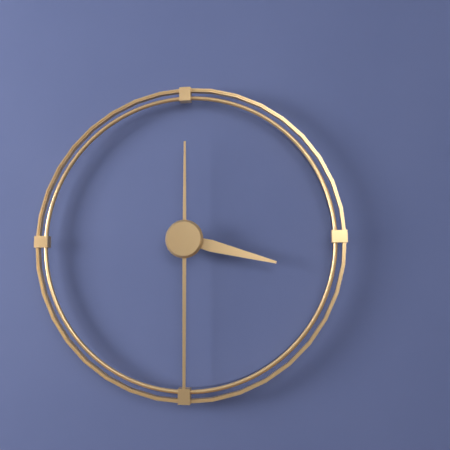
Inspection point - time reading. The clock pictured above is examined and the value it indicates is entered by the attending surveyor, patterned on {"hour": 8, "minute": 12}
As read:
{"hour": 3, "minute": 30}
